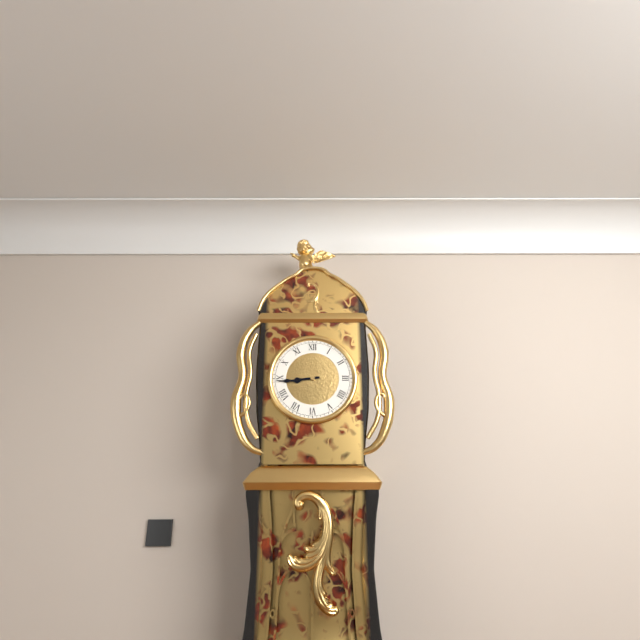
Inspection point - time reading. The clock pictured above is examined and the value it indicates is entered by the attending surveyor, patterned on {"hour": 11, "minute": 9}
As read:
{"hour": 8, "minute": 44}
